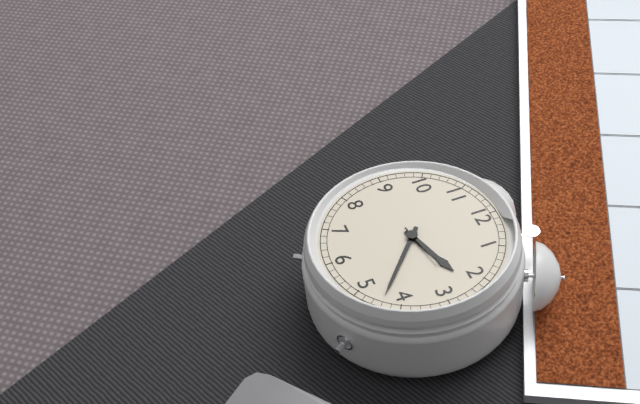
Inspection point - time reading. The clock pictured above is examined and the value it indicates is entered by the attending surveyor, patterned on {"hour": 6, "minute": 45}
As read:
{"hour": 2, "minute": 22}
